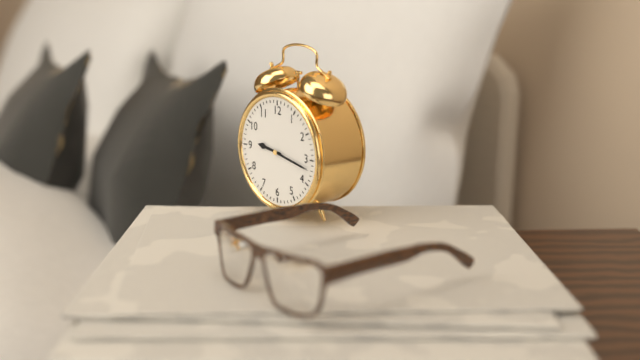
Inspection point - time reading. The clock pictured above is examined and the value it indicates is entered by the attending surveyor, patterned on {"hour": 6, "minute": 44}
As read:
{"hour": 9, "minute": 17}
